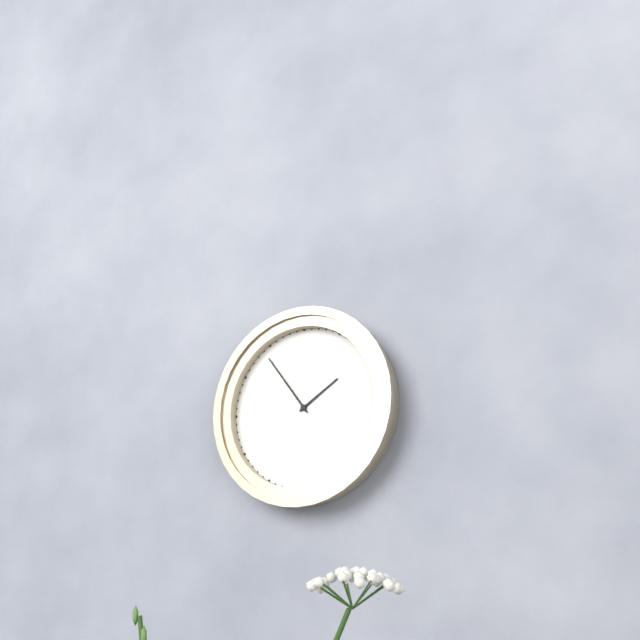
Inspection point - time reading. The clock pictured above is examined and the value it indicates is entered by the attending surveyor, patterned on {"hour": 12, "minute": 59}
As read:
{"hour": 1, "minute": 54}
